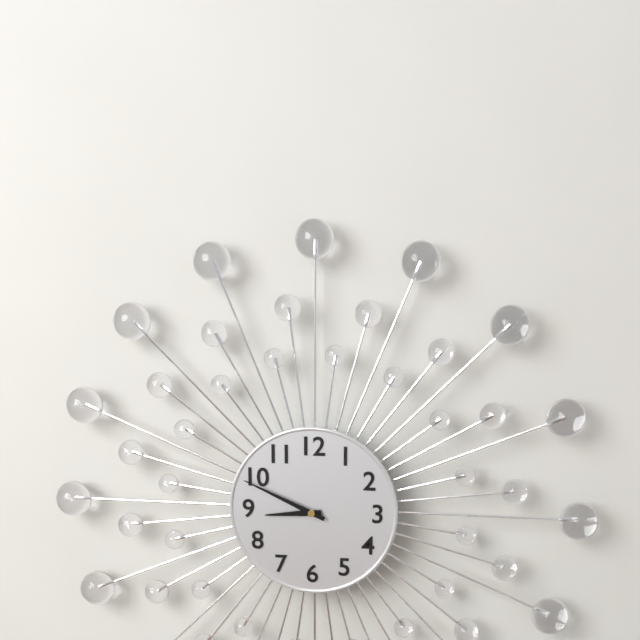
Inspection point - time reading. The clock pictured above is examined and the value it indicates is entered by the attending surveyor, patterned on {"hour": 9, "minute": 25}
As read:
{"hour": 8, "minute": 49}
